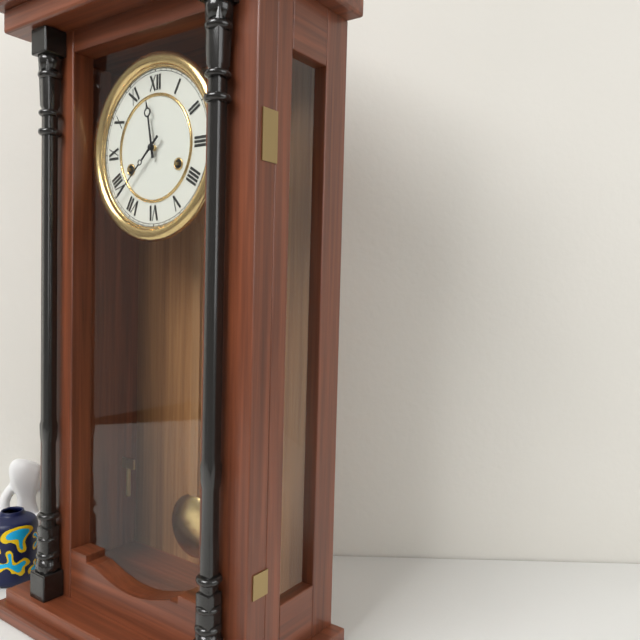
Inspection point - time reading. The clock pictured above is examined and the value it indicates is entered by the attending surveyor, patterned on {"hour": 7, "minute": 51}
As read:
{"hour": 11, "minute": 38}
